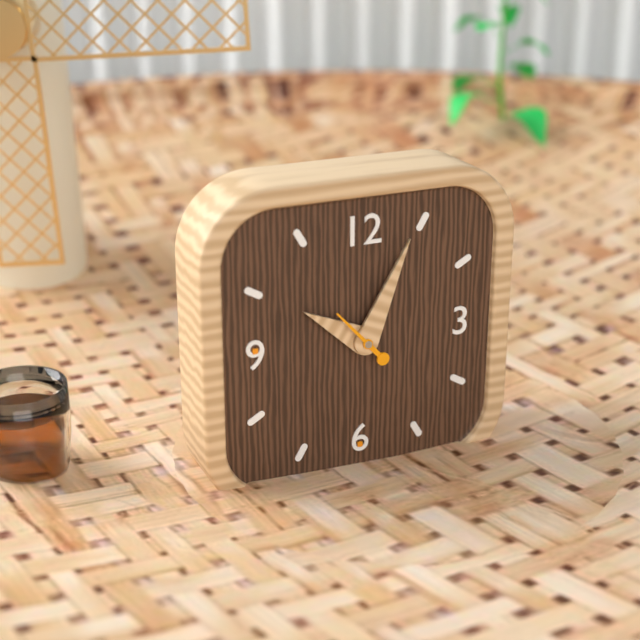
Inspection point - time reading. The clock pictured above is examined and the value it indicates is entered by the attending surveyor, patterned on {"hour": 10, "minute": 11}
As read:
{"hour": 10, "minute": 4}
